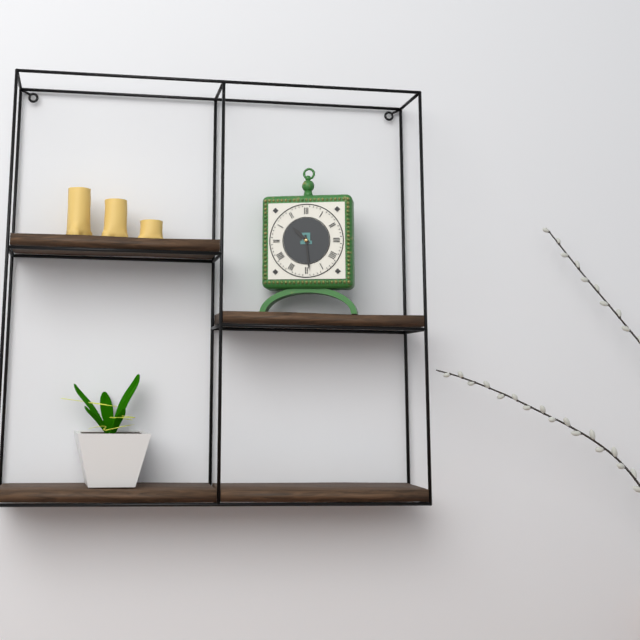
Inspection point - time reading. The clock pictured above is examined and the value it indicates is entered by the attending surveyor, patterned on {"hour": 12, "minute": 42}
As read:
{"hour": 10, "minute": 29}
